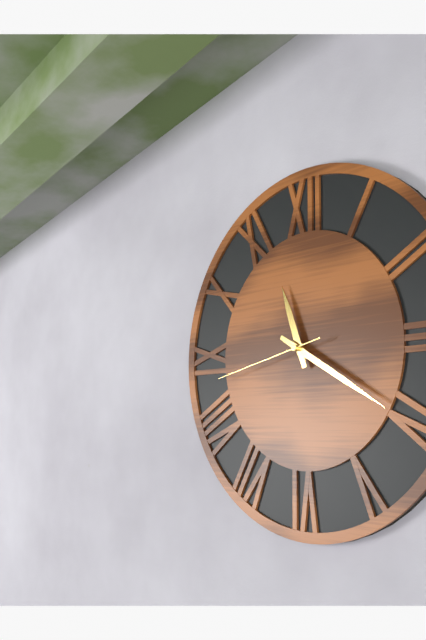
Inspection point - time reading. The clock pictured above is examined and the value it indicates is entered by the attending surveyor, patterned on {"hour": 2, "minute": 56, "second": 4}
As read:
{"hour": 11, "minute": 20, "second": 43}
